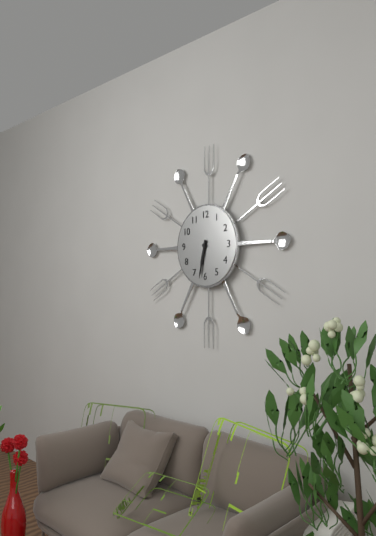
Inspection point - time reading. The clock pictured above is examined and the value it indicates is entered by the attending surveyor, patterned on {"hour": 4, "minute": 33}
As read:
{"hour": 6, "minute": 32}
